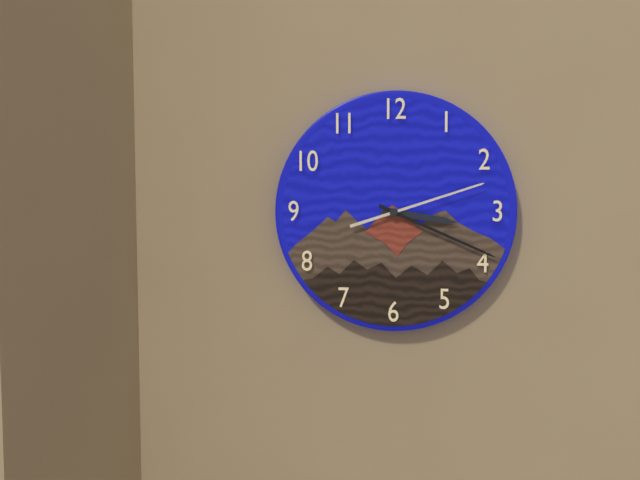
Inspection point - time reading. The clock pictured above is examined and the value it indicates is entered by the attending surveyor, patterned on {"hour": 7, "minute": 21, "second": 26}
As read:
{"hour": 3, "minute": 19, "second": 12}
